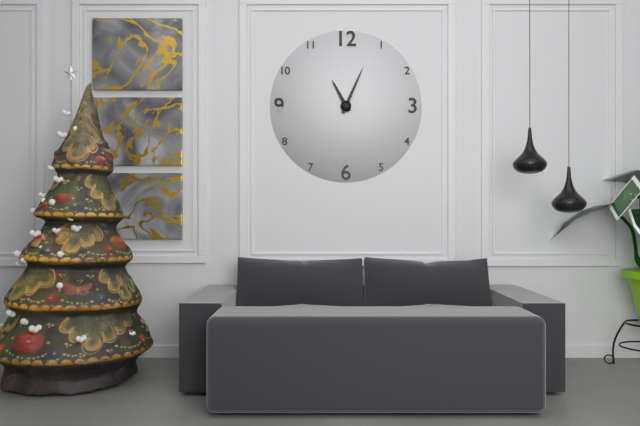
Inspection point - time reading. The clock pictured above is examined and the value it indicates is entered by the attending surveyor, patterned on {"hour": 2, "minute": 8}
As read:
{"hour": 11, "minute": 4}
